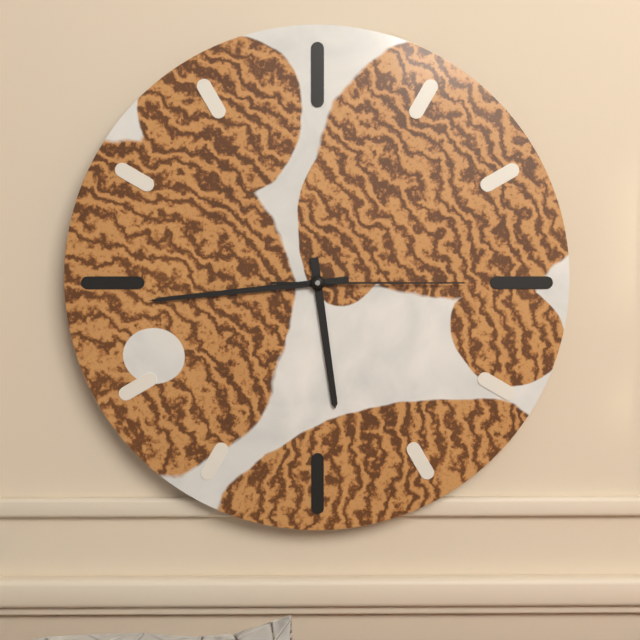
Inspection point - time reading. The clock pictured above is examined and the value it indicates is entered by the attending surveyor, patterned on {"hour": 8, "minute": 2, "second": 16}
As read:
{"hour": 5, "minute": 44, "second": 15}
